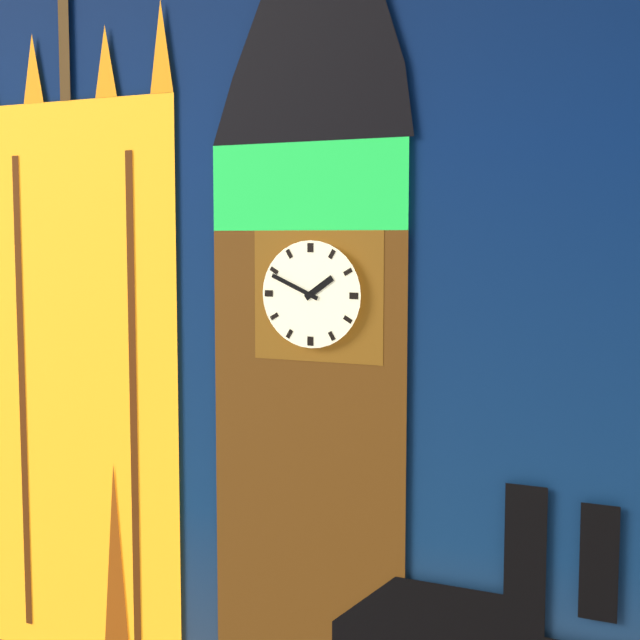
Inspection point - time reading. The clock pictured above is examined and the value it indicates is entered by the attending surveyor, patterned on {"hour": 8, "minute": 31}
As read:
{"hour": 1, "minute": 49}
